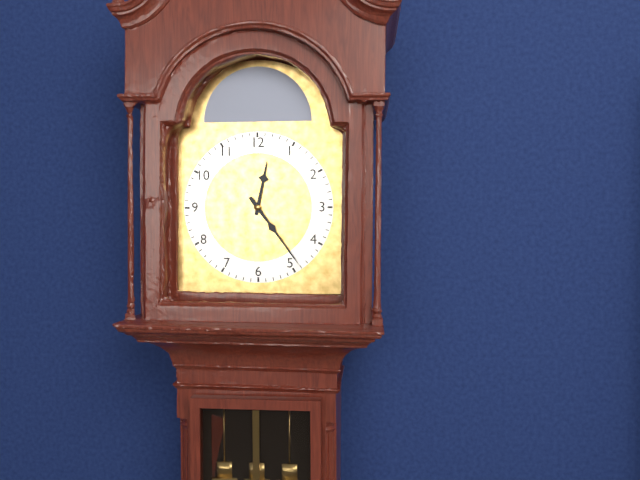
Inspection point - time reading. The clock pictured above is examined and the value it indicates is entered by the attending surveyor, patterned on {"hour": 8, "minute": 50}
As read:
{"hour": 12, "minute": 24}
